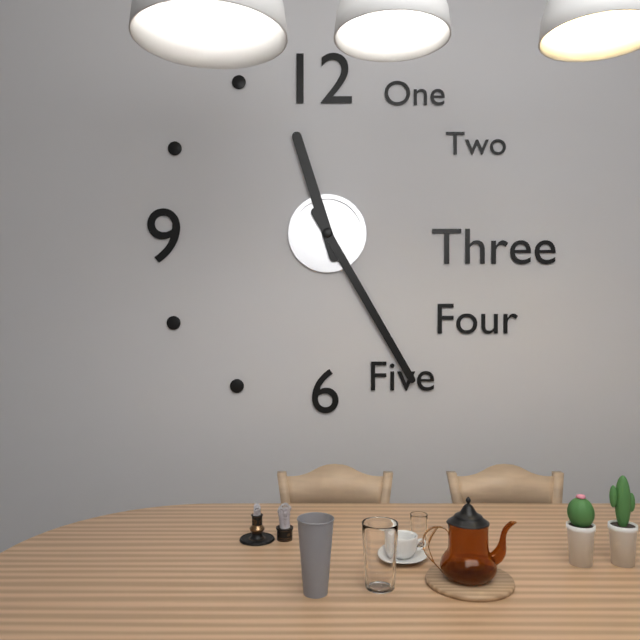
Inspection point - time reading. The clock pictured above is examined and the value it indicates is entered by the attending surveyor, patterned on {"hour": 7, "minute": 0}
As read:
{"hour": 11, "minute": 25}
